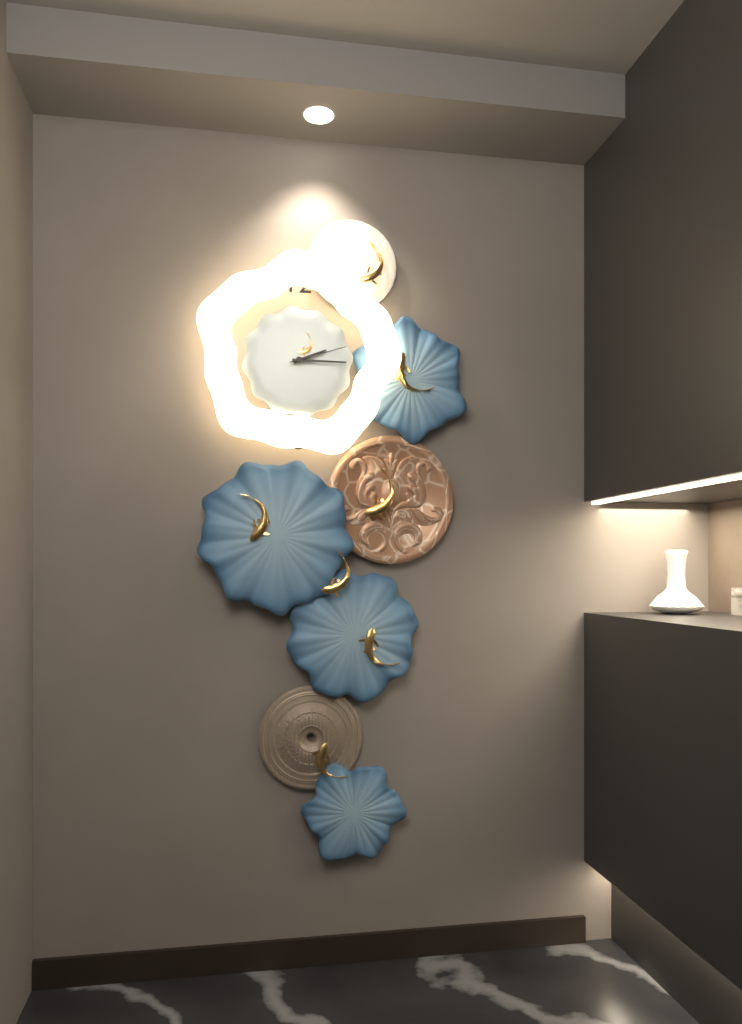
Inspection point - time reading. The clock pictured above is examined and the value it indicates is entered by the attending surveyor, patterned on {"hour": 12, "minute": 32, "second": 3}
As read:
{"hour": 2, "minute": 15, "second": 12}
